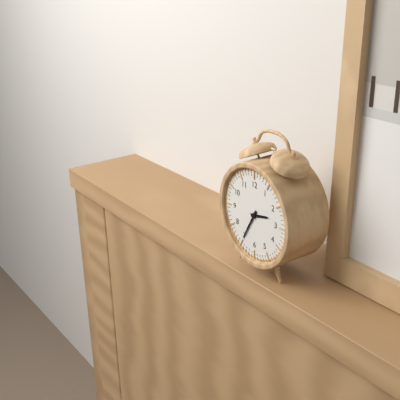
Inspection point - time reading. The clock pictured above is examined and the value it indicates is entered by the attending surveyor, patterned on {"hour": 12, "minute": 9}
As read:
{"hour": 2, "minute": 35}
